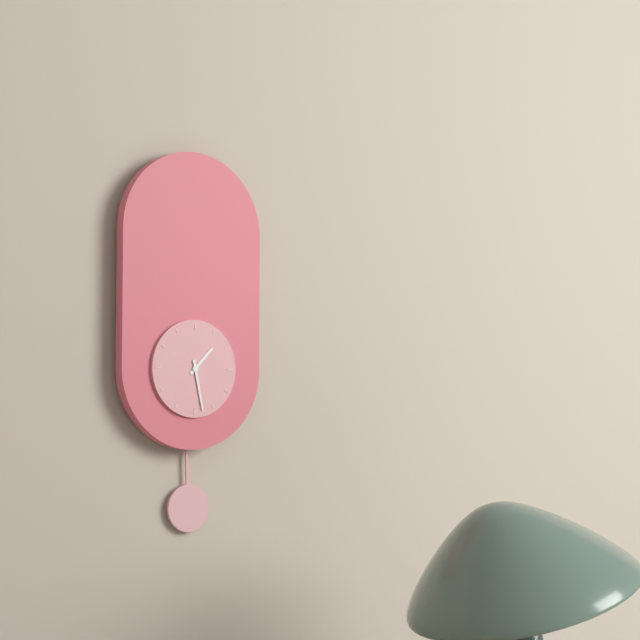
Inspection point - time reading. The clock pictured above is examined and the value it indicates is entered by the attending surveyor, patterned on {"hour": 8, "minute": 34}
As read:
{"hour": 1, "minute": 28}
